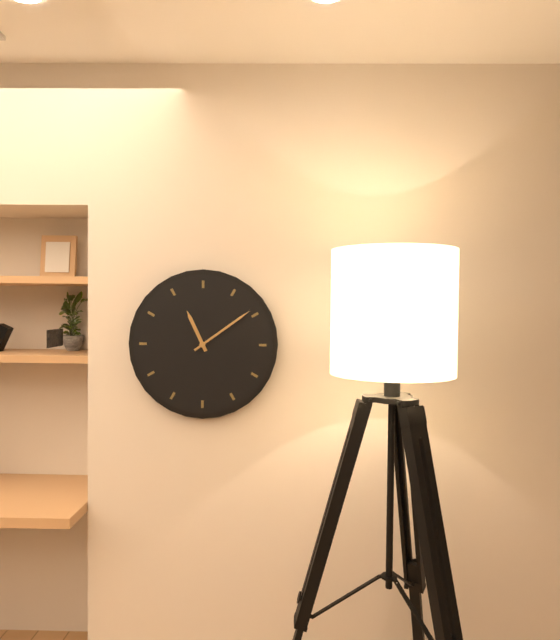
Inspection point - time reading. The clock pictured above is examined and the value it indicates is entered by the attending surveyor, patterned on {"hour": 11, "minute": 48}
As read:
{"hour": 11, "minute": 9}
